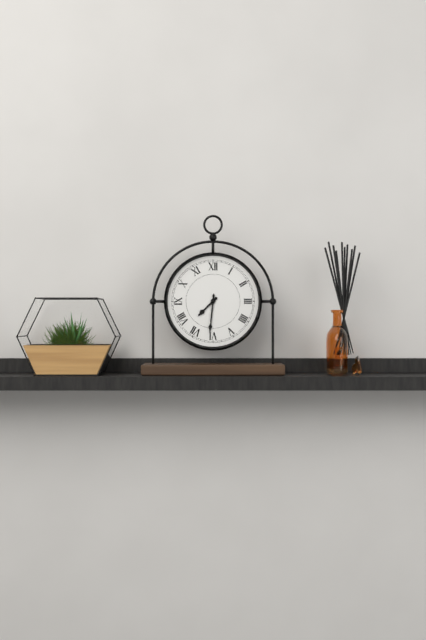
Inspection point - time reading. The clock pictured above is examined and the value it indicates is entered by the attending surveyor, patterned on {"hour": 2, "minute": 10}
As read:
{"hour": 7, "minute": 31}
